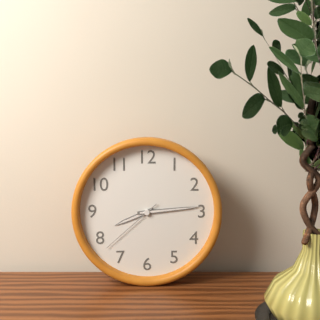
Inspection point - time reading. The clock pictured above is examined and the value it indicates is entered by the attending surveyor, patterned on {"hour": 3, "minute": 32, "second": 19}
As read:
{"hour": 8, "minute": 14, "second": 38}
